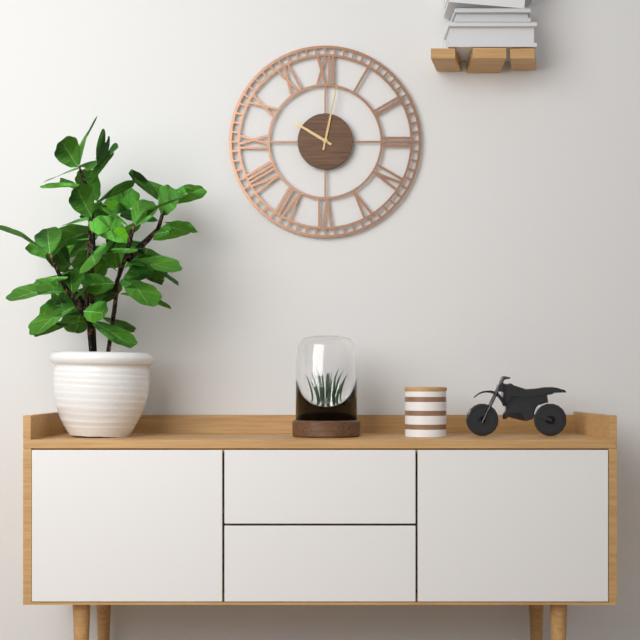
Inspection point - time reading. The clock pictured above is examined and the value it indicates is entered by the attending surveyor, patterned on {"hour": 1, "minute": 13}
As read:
{"hour": 10, "minute": 2}
